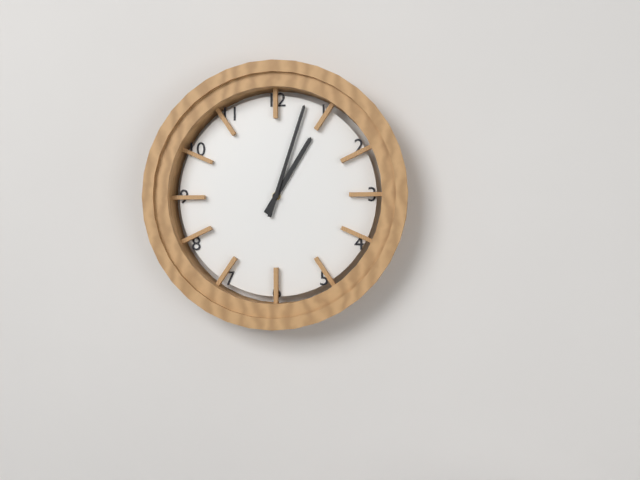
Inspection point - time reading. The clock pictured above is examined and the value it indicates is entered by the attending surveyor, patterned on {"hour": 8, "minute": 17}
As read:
{"hour": 1, "minute": 3}
